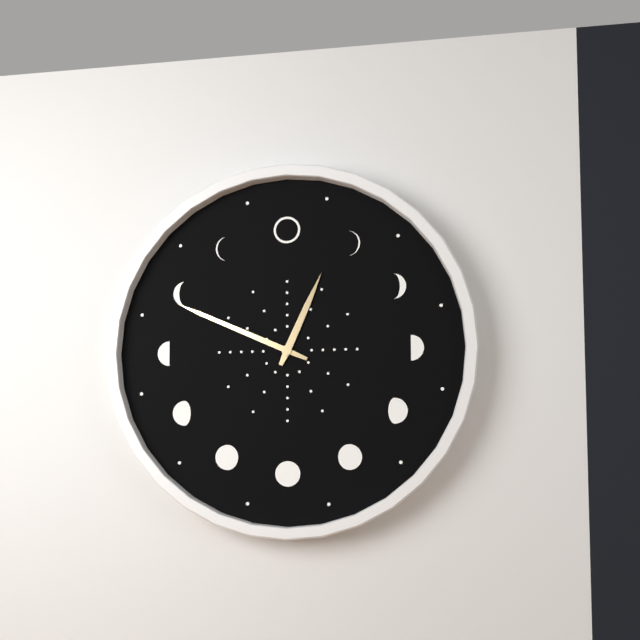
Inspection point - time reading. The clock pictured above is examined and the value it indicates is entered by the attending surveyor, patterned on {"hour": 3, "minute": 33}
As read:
{"hour": 12, "minute": 49}
